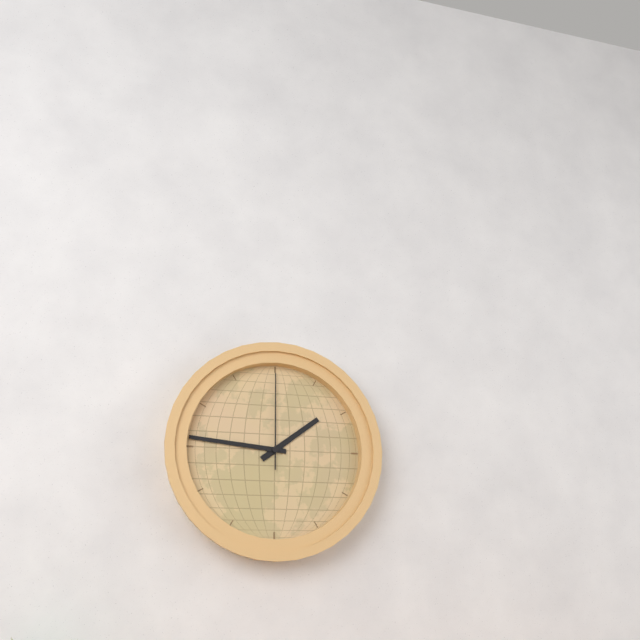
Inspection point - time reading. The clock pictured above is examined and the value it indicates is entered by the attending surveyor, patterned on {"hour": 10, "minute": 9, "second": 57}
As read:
{"hour": 1, "minute": 46, "second": 0}
